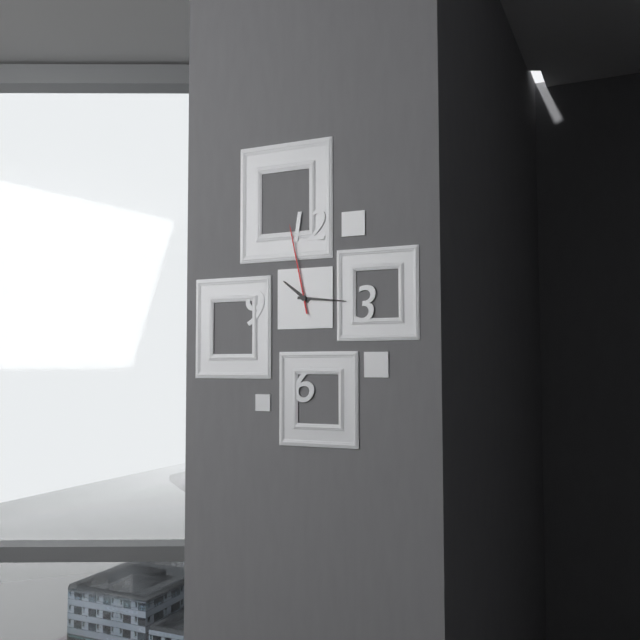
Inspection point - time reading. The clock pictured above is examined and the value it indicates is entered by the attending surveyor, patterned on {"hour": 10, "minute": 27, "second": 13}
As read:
{"hour": 10, "minute": 16, "second": 58}
